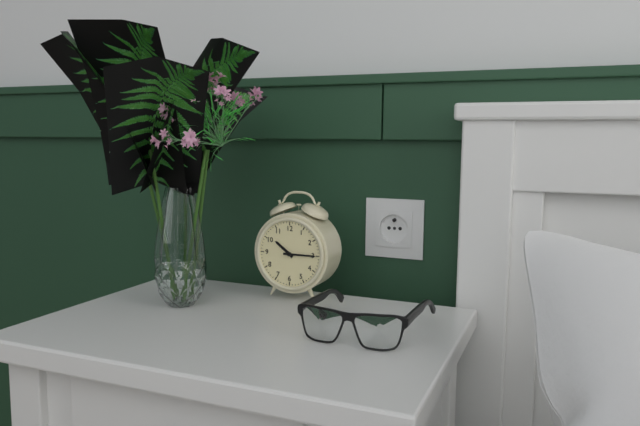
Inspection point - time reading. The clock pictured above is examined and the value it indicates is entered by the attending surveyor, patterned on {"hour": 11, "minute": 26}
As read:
{"hour": 10, "minute": 15}
